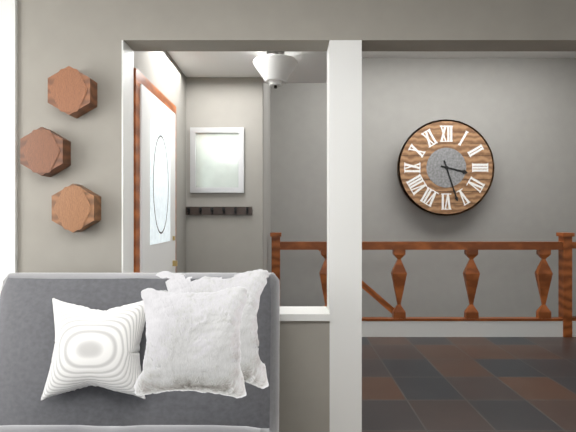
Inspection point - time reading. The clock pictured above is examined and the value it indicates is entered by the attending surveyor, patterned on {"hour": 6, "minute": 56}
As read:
{"hour": 3, "minute": 27}
